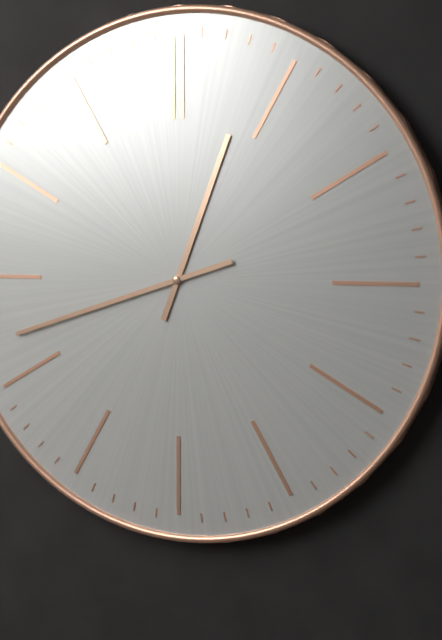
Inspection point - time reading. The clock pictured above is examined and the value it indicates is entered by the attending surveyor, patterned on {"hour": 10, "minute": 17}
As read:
{"hour": 12, "minute": 42}
